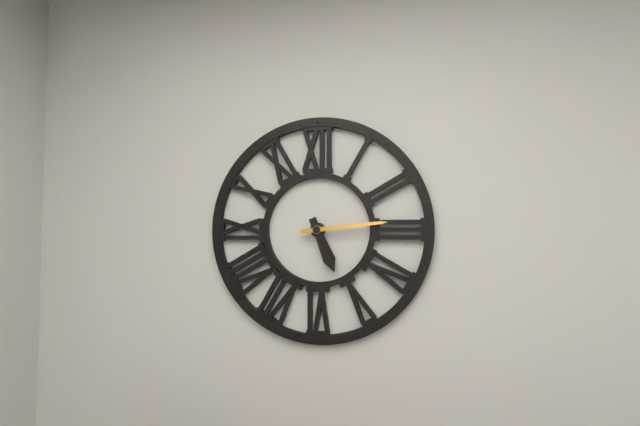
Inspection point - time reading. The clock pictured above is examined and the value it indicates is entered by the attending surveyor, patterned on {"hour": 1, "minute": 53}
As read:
{"hour": 5, "minute": 14}
